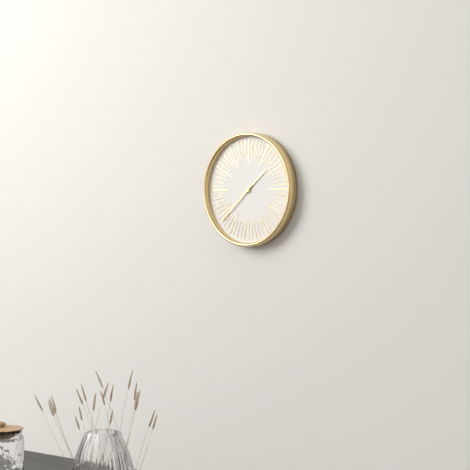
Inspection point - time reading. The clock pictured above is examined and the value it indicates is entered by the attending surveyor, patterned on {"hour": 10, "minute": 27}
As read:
{"hour": 1, "minute": 38}
